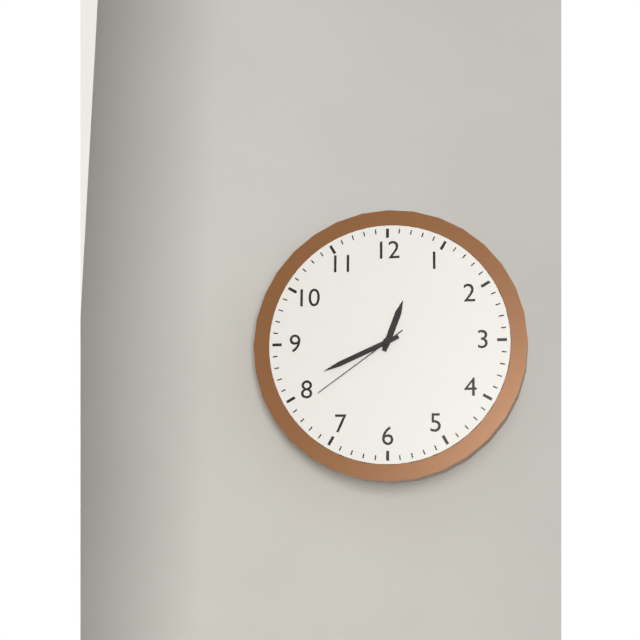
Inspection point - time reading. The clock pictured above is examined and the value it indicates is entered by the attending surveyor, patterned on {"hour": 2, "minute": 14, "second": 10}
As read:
{"hour": 12, "minute": 41, "second": 39}
